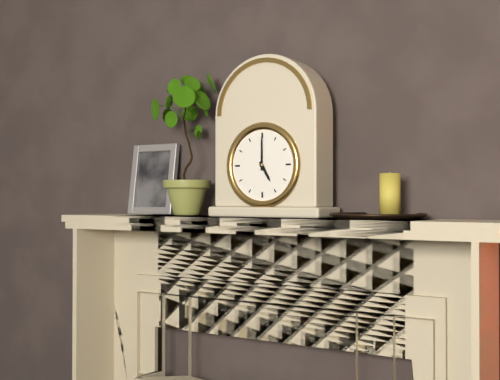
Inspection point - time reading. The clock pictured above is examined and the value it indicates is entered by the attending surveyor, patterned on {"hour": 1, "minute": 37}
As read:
{"hour": 5, "minute": 0}
